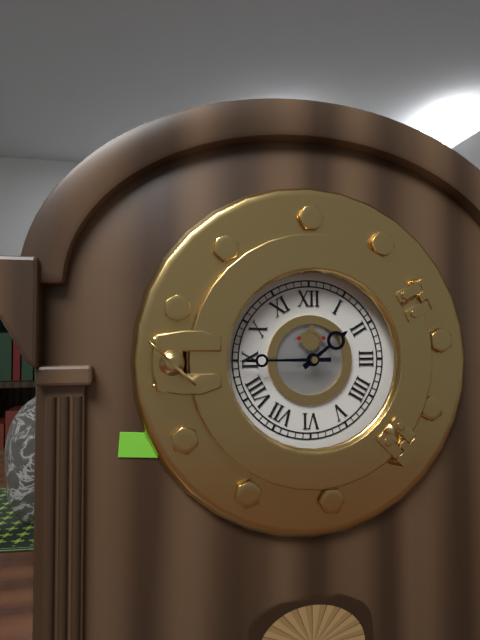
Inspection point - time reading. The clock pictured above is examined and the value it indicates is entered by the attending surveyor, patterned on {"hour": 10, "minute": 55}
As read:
{"hour": 1, "minute": 45}
